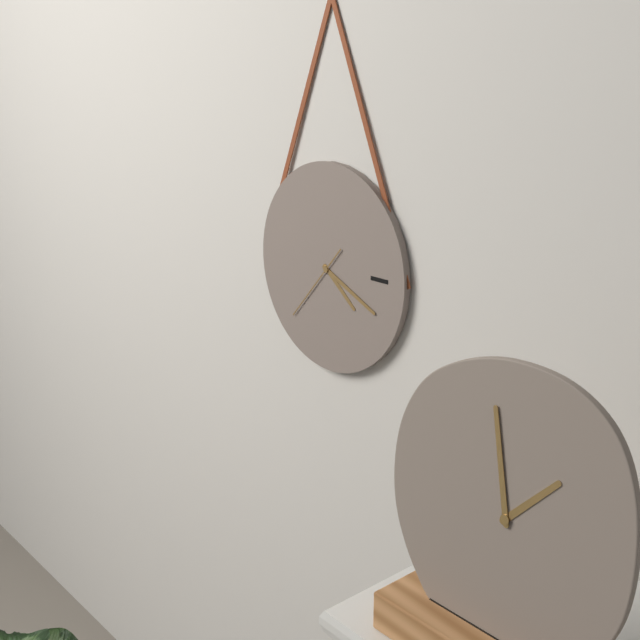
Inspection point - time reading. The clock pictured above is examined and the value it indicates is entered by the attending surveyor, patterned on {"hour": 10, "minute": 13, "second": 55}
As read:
{"hour": 4, "minute": 19, "second": 37}
